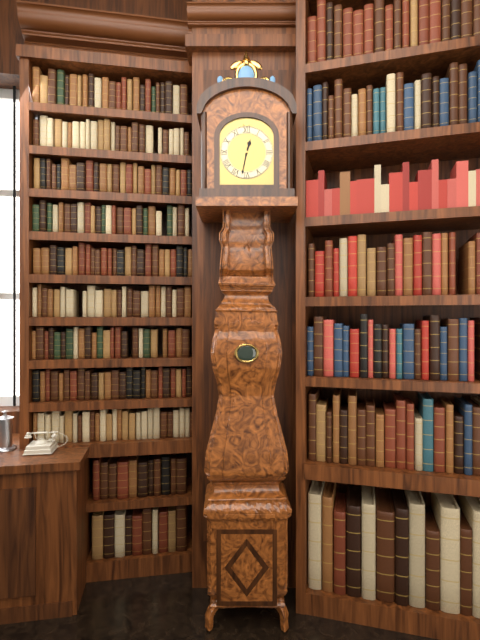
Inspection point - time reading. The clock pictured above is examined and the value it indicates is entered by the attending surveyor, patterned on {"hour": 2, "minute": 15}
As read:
{"hour": 12, "minute": 32}
